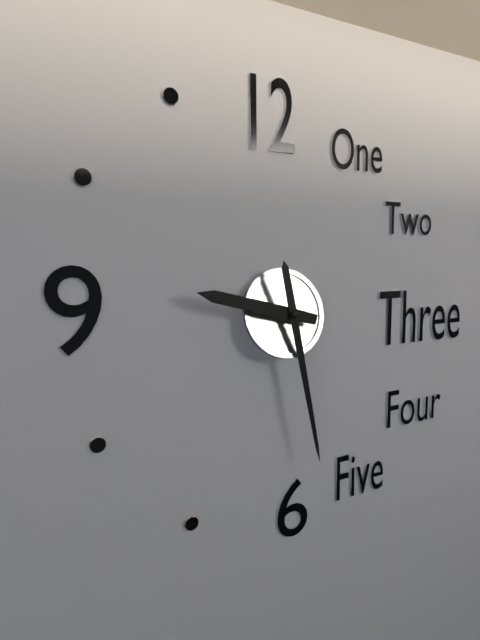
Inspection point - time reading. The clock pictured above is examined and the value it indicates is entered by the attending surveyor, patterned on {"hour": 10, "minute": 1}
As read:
{"hour": 9, "minute": 28}
